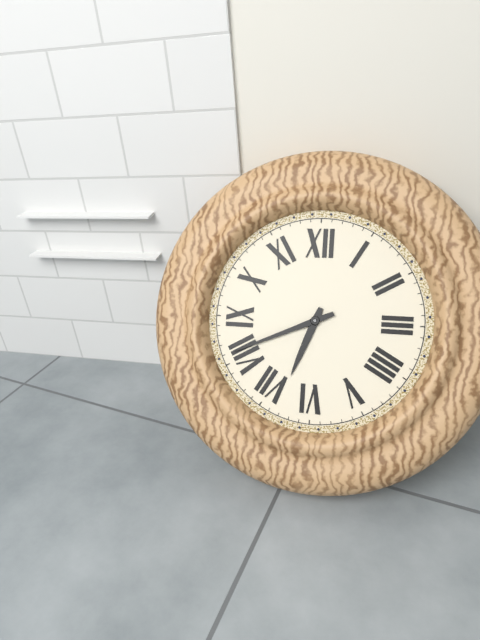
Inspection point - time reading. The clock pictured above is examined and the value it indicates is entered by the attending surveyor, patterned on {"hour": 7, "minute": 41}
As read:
{"hour": 6, "minute": 41}
